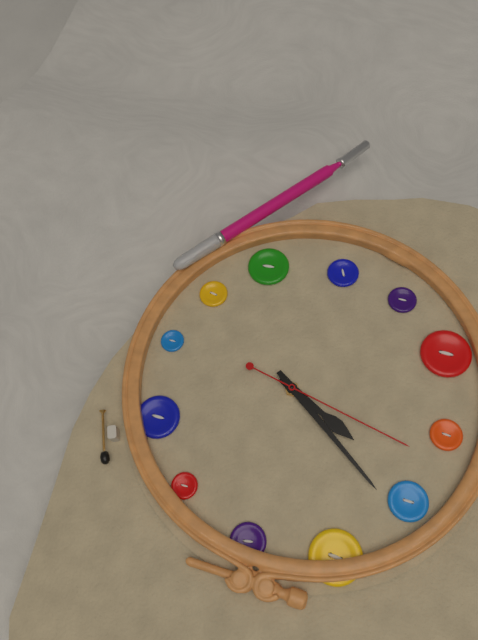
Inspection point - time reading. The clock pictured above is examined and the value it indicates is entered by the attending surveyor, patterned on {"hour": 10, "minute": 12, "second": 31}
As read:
{"hour": 9, "minute": 51, "second": 47}
